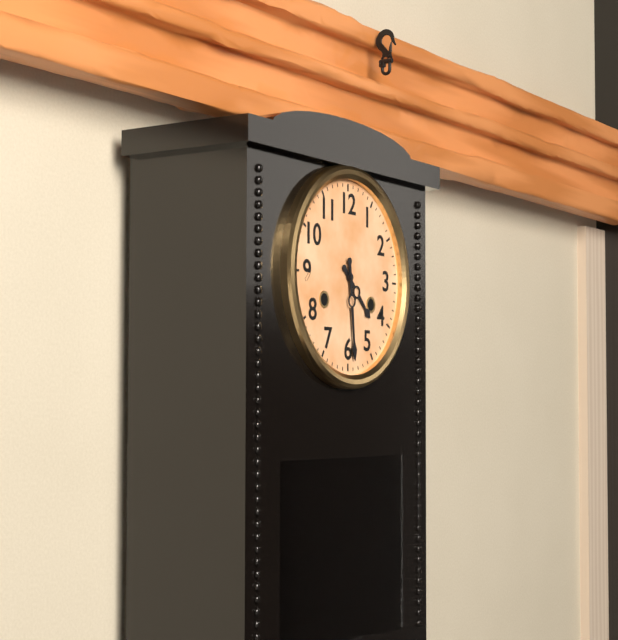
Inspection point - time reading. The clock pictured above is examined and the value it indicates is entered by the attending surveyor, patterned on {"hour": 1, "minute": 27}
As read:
{"hour": 4, "minute": 29}
